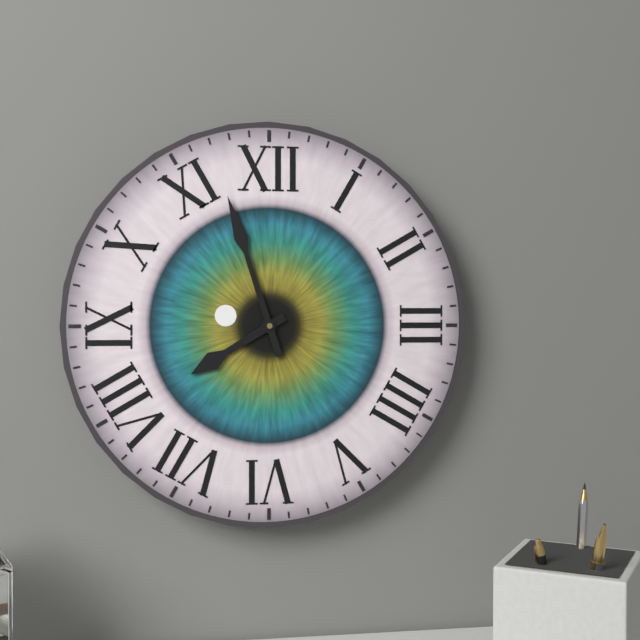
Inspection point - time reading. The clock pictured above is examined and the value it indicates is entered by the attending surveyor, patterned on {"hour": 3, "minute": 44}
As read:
{"hour": 7, "minute": 57}
